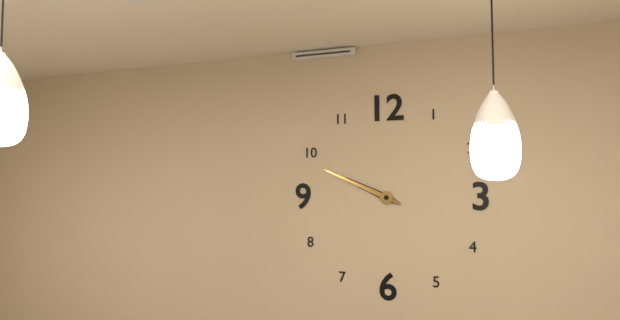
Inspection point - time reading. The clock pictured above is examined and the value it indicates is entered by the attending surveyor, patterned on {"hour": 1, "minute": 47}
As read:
{"hour": 9, "minute": 49}
